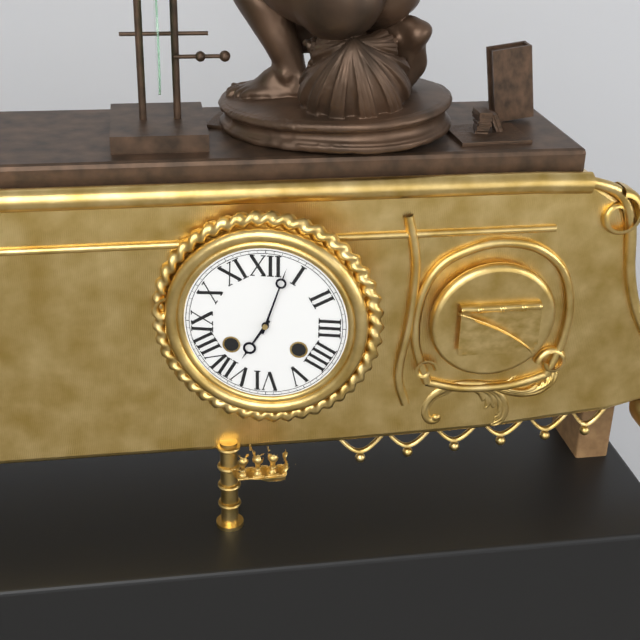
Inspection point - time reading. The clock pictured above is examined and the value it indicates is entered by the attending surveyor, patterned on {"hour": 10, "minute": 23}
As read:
{"hour": 7, "minute": 3}
